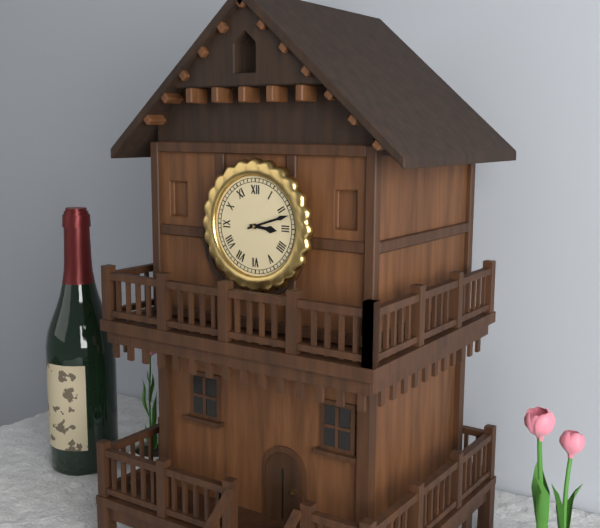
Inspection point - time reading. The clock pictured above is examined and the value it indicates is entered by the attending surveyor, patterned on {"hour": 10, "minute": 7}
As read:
{"hour": 3, "minute": 12}
